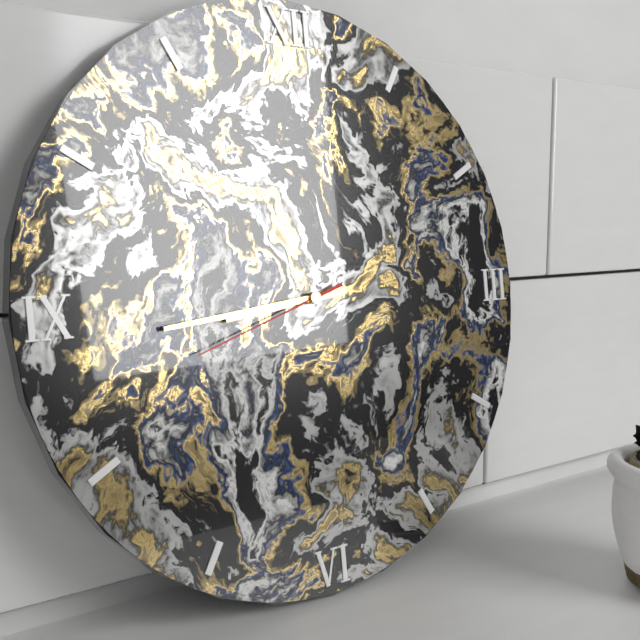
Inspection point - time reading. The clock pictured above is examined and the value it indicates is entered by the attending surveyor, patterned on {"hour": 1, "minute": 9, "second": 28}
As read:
{"hour": 8, "minute": 44, "second": 42}
